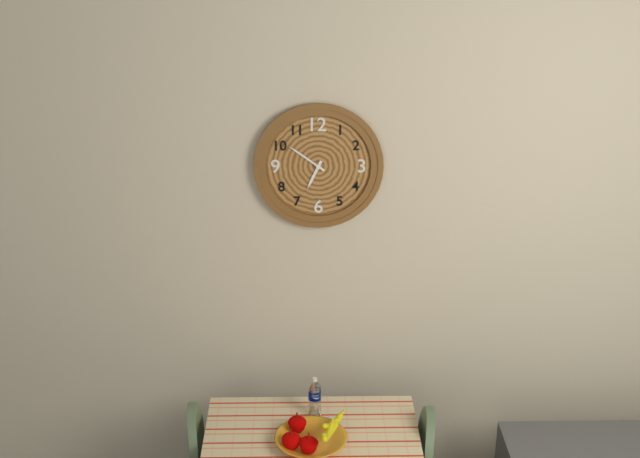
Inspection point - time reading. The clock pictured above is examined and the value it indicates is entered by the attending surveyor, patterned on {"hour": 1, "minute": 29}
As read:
{"hour": 6, "minute": 51}
